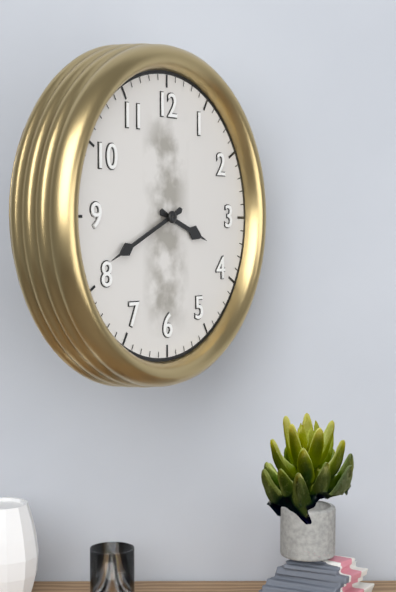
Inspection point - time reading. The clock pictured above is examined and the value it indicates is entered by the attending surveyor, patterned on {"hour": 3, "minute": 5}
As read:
{"hour": 3, "minute": 41}
